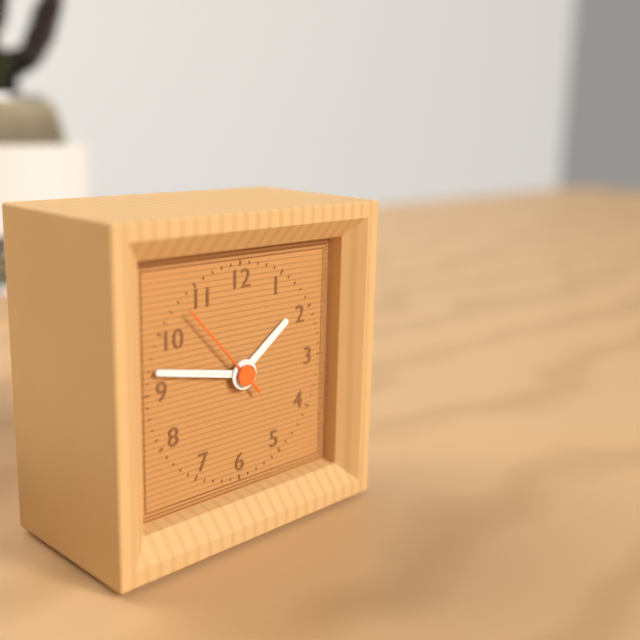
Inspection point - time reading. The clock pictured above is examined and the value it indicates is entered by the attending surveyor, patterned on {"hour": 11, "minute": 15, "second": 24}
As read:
{"hour": 1, "minute": 47, "second": 53}
